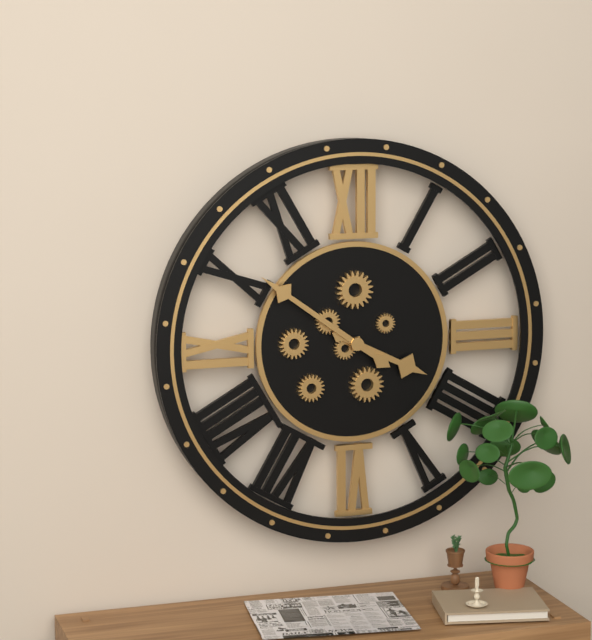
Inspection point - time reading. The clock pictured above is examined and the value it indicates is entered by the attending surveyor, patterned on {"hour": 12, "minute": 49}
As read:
{"hour": 3, "minute": 51}
